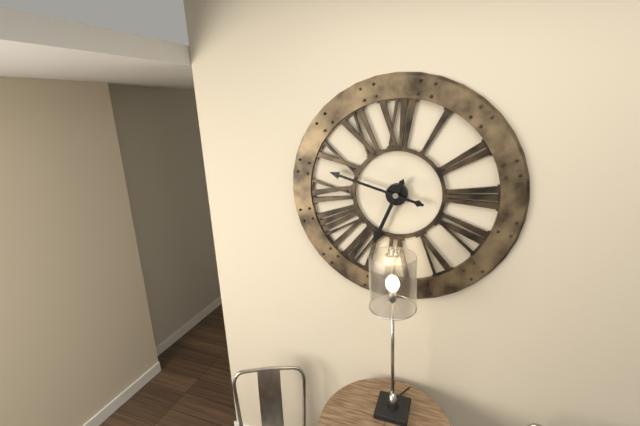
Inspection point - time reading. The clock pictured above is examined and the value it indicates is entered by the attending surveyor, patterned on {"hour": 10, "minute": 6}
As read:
{"hour": 6, "minute": 48}
